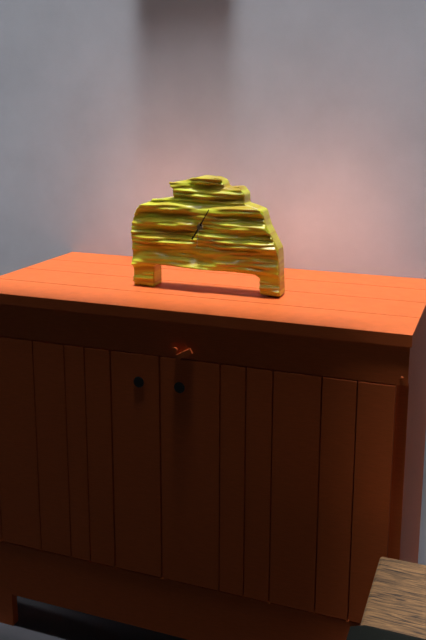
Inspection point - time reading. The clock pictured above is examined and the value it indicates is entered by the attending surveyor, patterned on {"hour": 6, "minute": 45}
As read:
{"hour": 7, "minute": 5}
